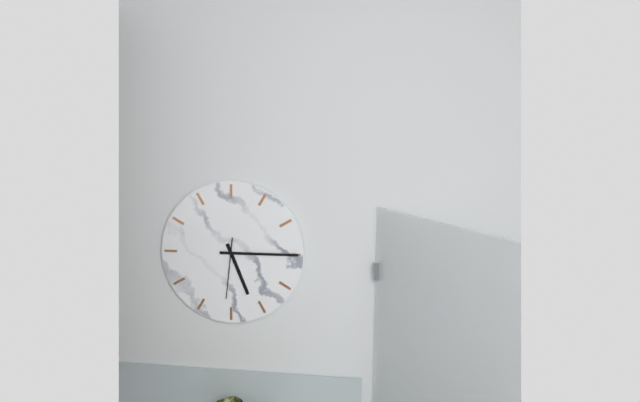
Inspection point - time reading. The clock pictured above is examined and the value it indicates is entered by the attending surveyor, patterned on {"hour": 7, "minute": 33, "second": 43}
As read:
{"hour": 5, "minute": 15, "second": 31}
